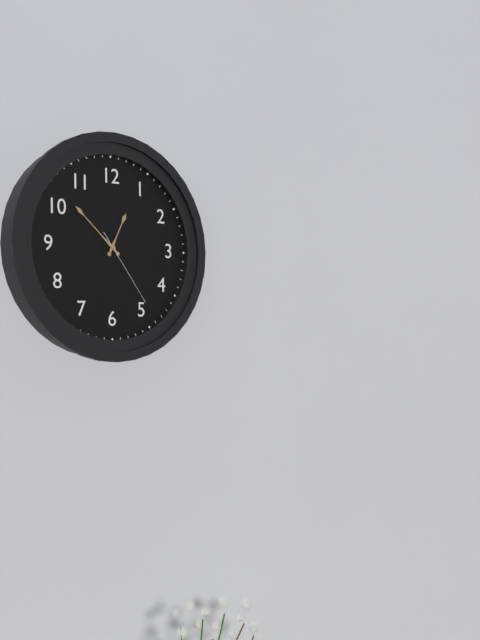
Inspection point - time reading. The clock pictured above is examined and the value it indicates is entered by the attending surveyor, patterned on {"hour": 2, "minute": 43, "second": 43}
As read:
{"hour": 12, "minute": 52, "second": 24}
